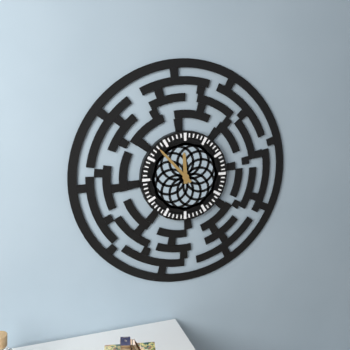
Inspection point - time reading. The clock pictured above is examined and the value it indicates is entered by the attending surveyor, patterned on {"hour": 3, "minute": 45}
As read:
{"hour": 11, "minute": 53}
